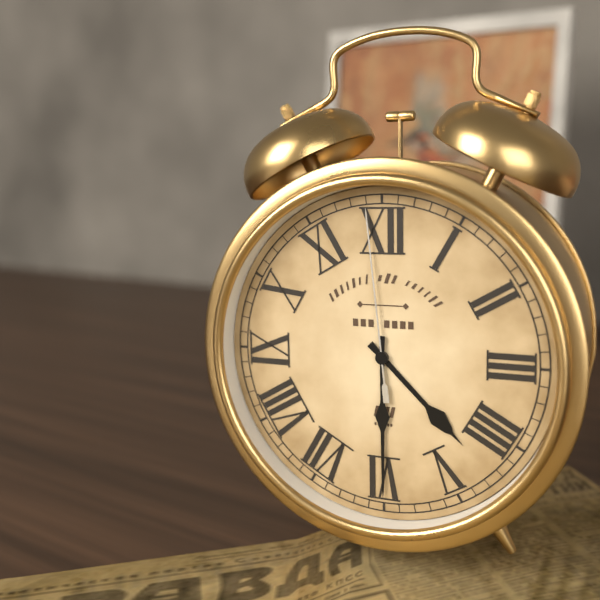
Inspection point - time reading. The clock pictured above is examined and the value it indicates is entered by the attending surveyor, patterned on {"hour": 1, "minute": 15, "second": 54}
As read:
{"hour": 4, "minute": 30, "second": 59}
